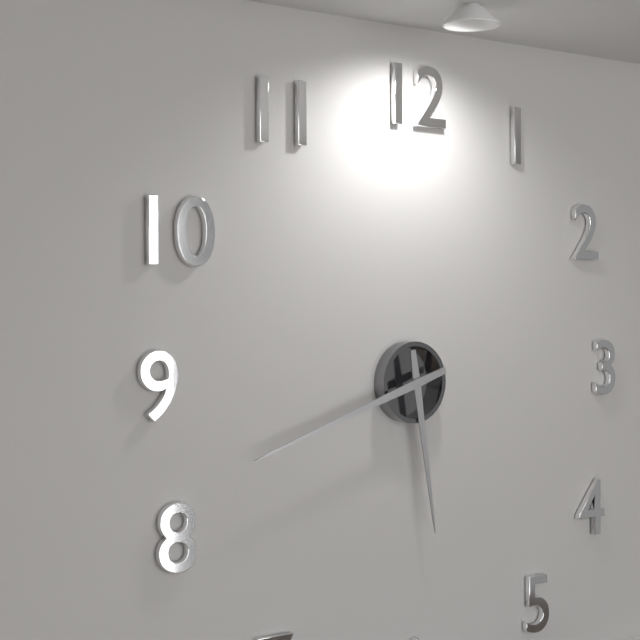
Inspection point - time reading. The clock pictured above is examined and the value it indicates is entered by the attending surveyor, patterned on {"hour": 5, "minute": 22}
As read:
{"hour": 5, "minute": 42}
